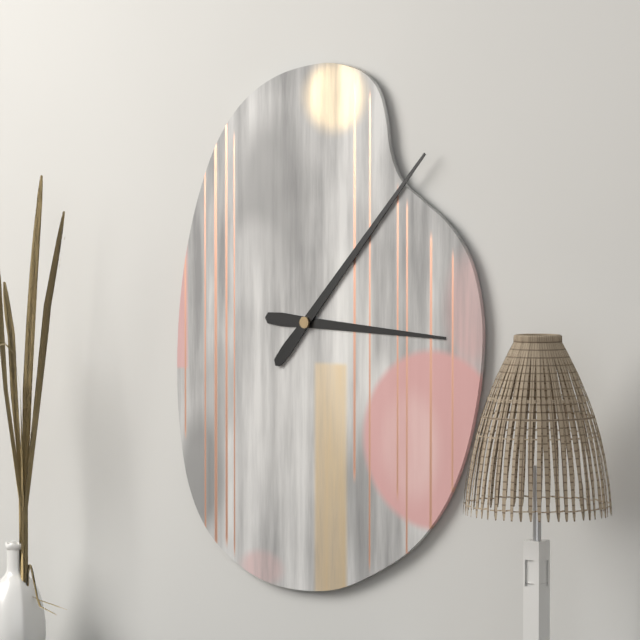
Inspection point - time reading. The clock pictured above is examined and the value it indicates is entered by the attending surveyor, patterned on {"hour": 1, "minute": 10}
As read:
{"hour": 3, "minute": 7}
